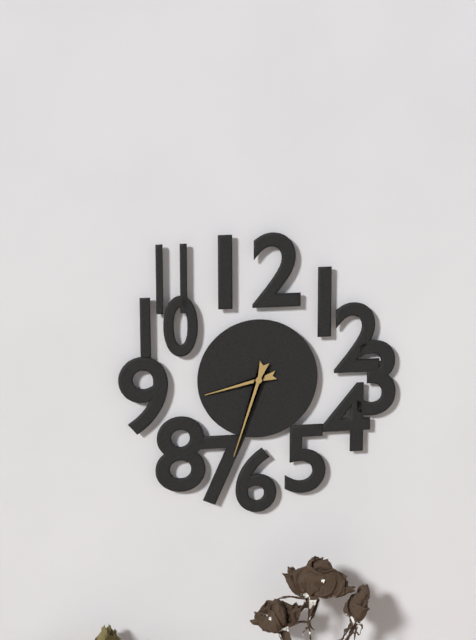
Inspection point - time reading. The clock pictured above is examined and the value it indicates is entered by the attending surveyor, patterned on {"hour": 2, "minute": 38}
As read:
{"hour": 8, "minute": 33}
